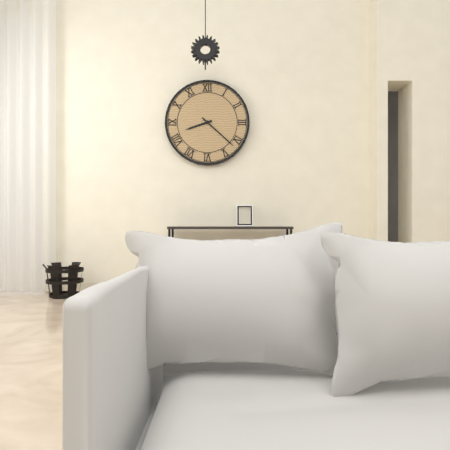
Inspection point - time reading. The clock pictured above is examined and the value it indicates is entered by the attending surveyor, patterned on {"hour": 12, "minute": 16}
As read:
{"hour": 8, "minute": 22}
